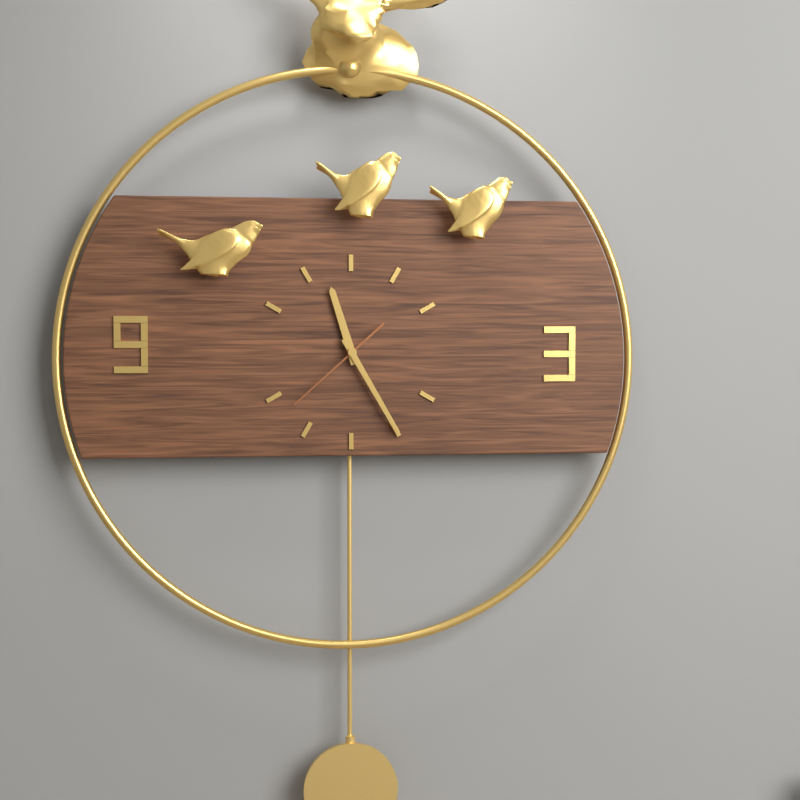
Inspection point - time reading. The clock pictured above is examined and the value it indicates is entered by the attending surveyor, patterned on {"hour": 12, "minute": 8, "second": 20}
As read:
{"hour": 11, "minute": 25, "second": 38}
